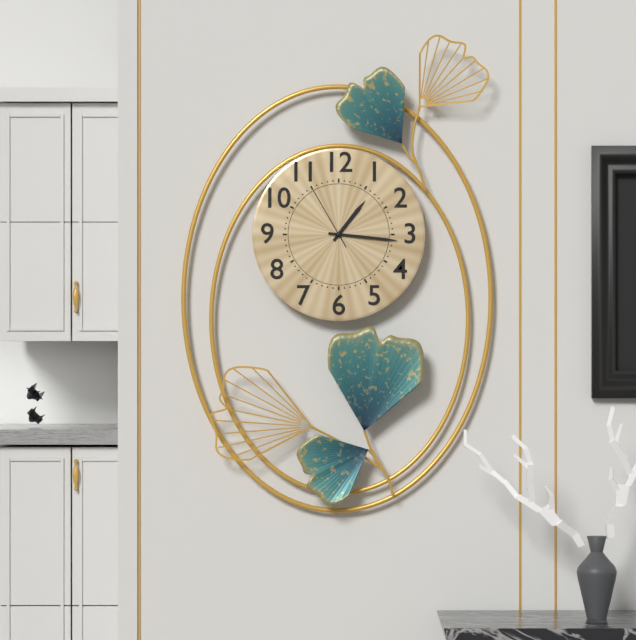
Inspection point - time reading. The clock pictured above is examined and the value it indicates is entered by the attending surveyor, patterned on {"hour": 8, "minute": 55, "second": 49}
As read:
{"hour": 1, "minute": 16, "second": 55}
